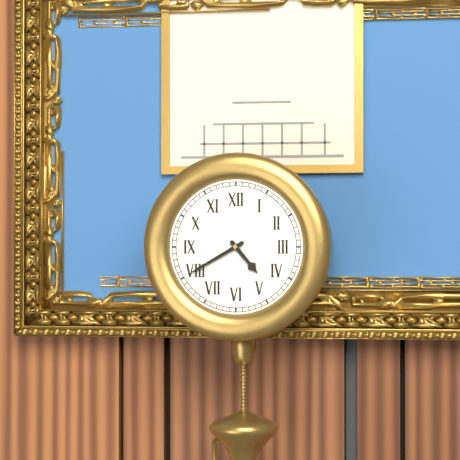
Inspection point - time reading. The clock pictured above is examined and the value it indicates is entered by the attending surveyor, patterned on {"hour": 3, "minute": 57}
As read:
{"hour": 4, "minute": 40}
